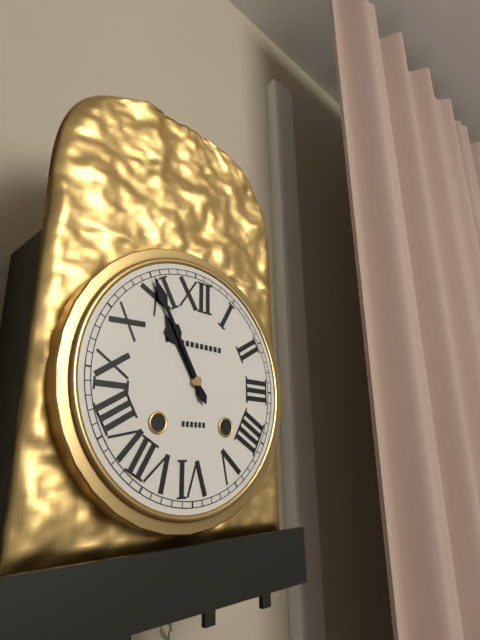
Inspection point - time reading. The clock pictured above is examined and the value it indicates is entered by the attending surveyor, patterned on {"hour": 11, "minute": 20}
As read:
{"hour": 10, "minute": 55}
